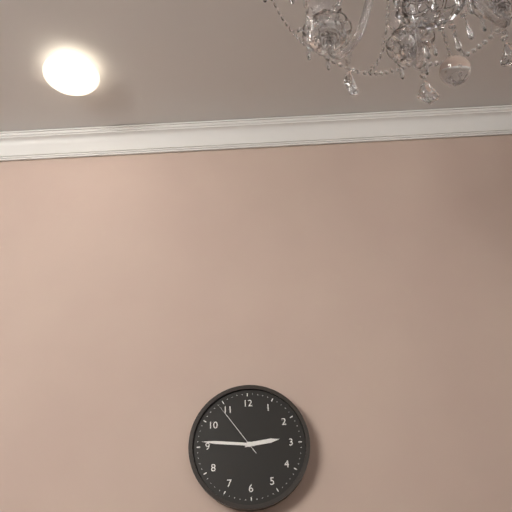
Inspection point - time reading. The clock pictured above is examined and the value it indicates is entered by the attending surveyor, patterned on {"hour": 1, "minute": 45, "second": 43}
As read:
{"hour": 2, "minute": 46, "second": 54}
